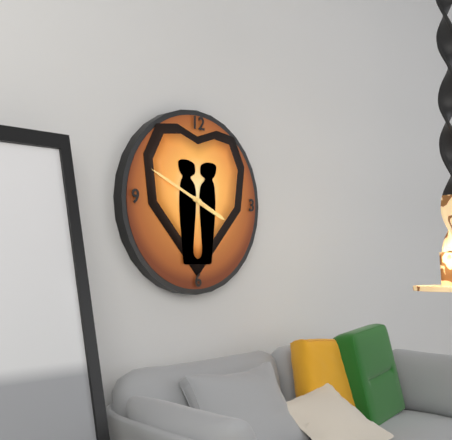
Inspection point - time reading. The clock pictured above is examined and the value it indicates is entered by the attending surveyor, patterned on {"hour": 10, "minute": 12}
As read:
{"hour": 3, "minute": 49}
